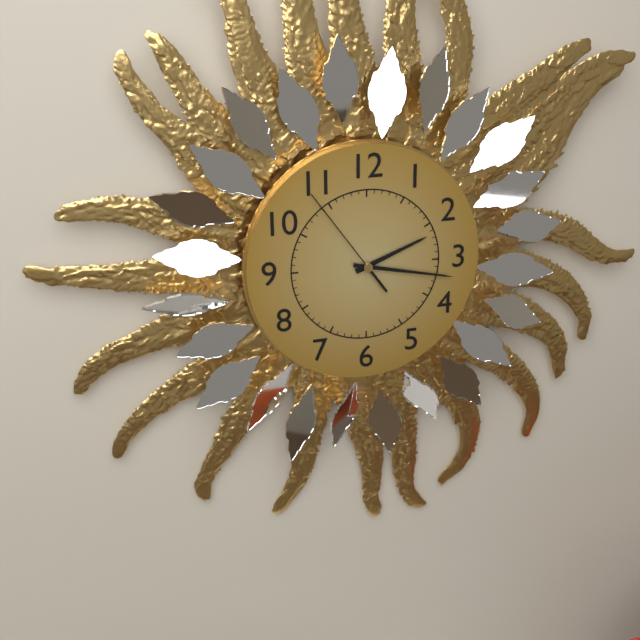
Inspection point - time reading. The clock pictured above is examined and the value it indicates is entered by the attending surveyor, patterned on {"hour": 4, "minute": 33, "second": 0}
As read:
{"hour": 2, "minute": 17, "second": 54}
